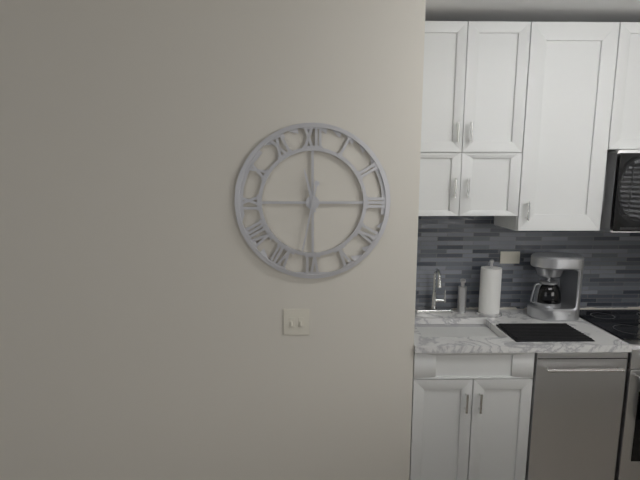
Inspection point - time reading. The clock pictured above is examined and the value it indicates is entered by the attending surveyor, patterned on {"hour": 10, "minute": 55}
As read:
{"hour": 11, "minute": 32}
